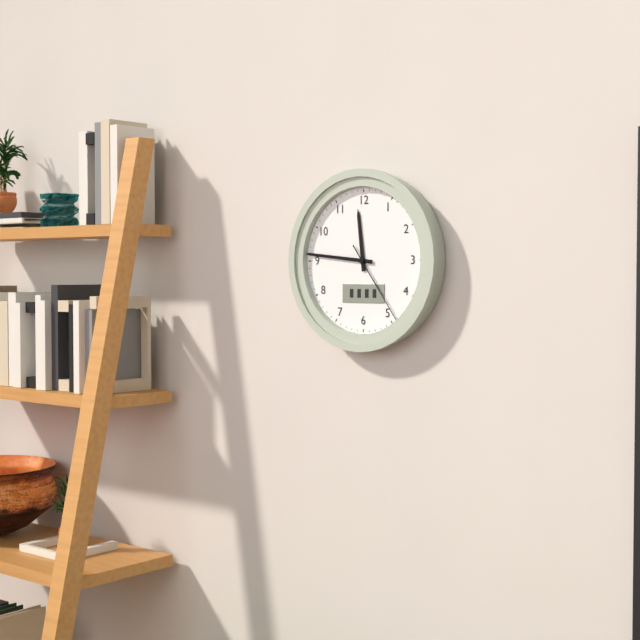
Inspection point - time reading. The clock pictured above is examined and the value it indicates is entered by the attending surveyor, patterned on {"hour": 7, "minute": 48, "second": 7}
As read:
{"hour": 11, "minute": 46, "second": 24}
